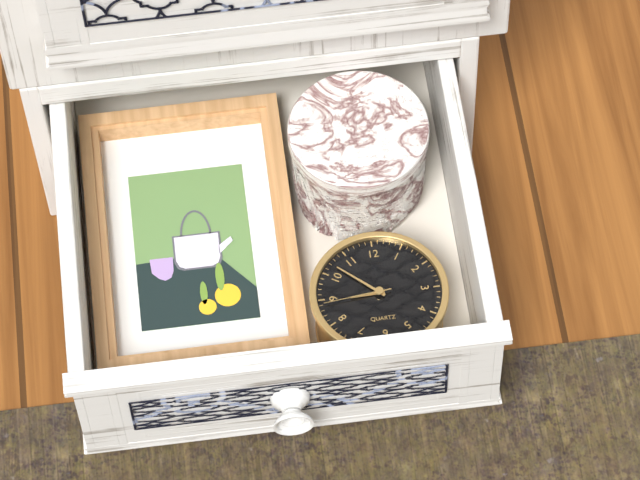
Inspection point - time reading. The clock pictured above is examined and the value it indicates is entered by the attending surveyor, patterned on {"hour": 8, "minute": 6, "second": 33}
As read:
{"hour": 8, "minute": 52, "second": 44}
